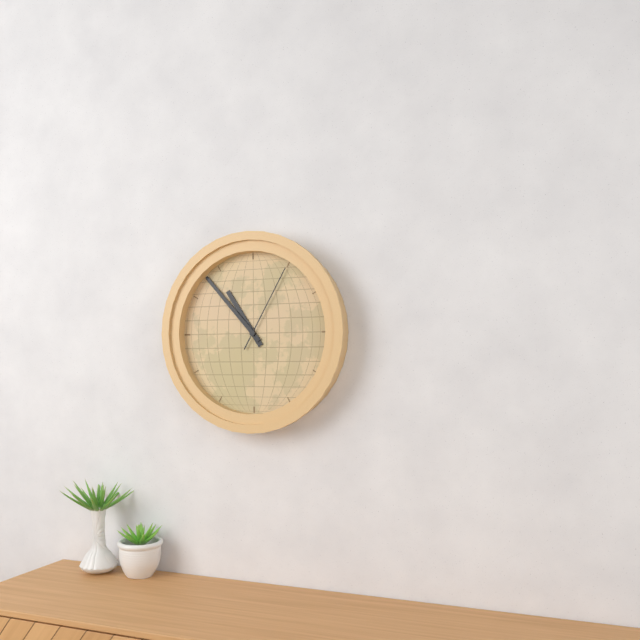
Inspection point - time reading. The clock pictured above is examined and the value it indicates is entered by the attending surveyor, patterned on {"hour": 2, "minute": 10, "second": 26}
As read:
{"hour": 10, "minute": 53, "second": 5}
